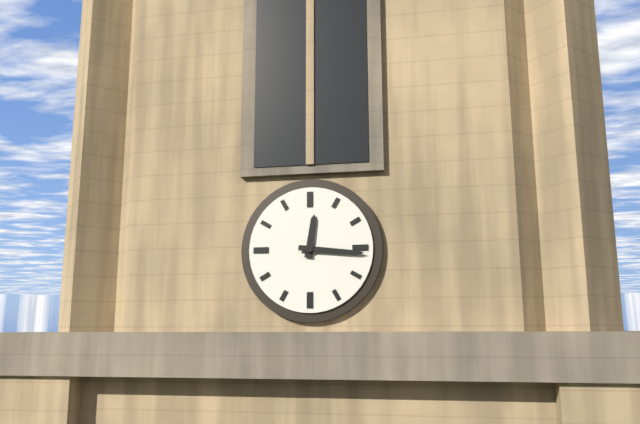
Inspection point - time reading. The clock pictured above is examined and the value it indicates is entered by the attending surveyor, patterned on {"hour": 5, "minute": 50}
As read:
{"hour": 12, "minute": 16}
